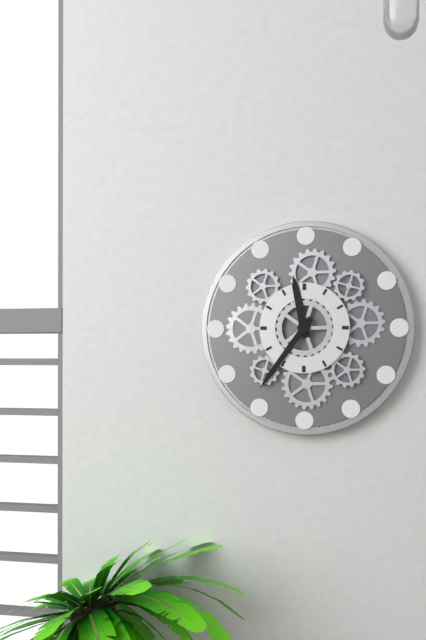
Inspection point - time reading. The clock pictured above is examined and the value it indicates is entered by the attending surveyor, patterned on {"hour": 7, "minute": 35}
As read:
{"hour": 11, "minute": 36}
